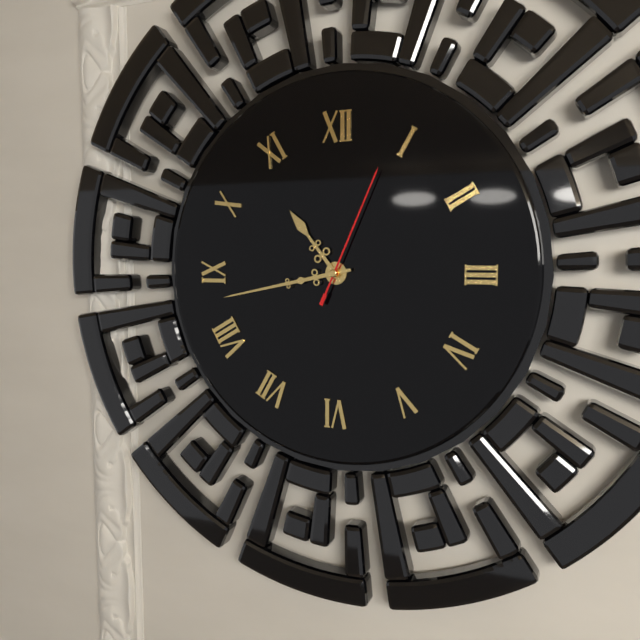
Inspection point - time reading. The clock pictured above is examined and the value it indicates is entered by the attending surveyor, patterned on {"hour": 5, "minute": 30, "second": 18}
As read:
{"hour": 10, "minute": 43, "second": 4}
